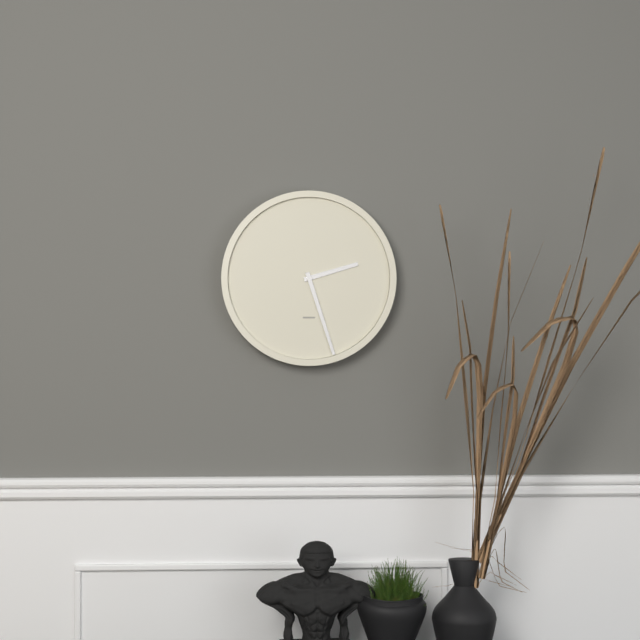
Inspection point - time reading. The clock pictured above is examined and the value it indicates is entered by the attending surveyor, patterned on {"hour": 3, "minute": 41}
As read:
{"hour": 2, "minute": 27}
